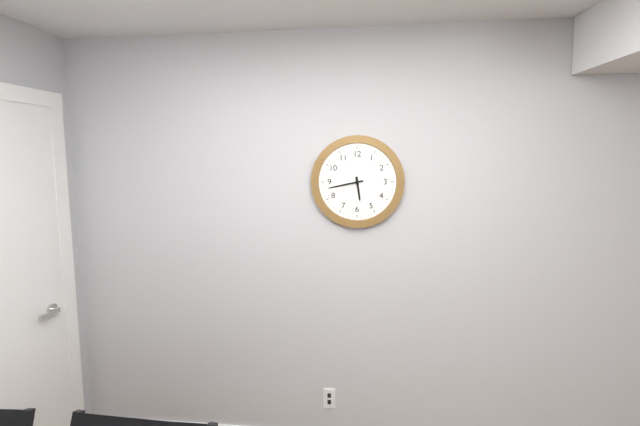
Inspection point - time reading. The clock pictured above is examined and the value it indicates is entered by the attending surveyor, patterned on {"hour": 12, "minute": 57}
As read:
{"hour": 5, "minute": 43}
